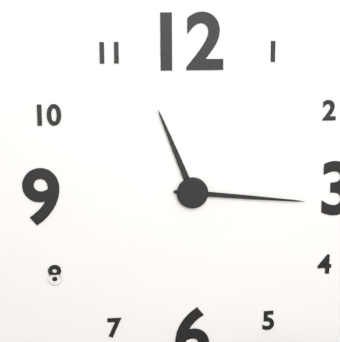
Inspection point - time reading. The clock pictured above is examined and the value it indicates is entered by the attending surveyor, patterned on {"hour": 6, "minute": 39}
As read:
{"hour": 11, "minute": 16}
